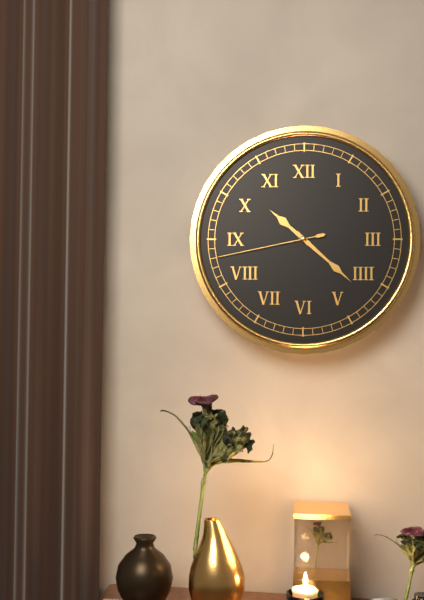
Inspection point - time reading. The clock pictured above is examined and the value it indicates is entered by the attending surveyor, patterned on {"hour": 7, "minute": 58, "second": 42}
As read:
{"hour": 10, "minute": 22, "second": 43}
